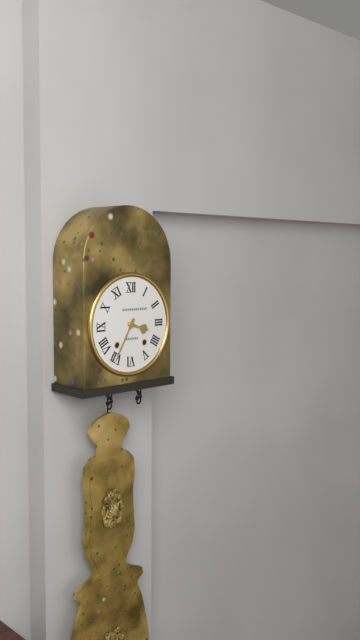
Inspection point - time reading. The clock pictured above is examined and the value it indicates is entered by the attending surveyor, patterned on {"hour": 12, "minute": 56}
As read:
{"hour": 3, "minute": 35}
